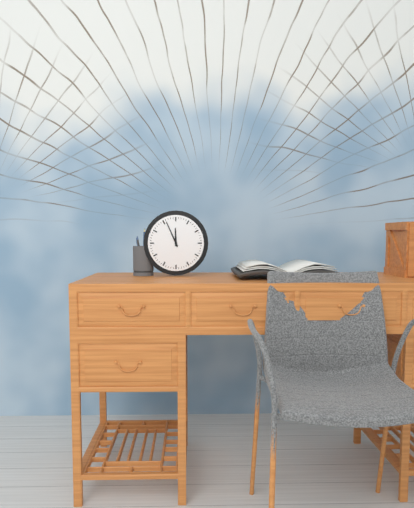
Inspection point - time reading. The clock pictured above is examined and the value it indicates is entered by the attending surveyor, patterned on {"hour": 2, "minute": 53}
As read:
{"hour": 11, "minute": 56}
